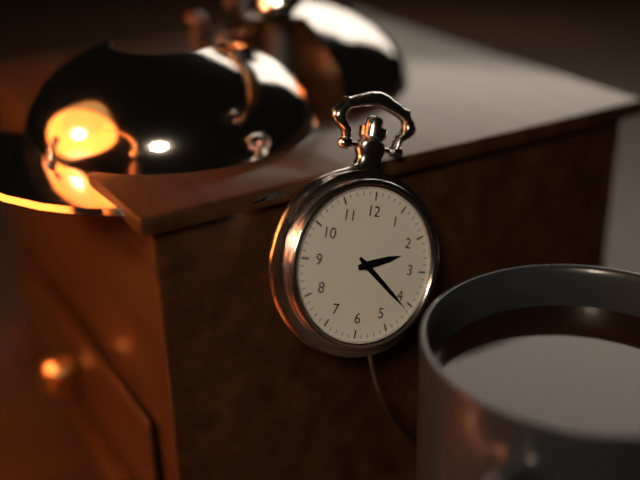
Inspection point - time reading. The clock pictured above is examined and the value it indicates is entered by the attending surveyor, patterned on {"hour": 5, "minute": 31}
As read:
{"hour": 2, "minute": 21}
